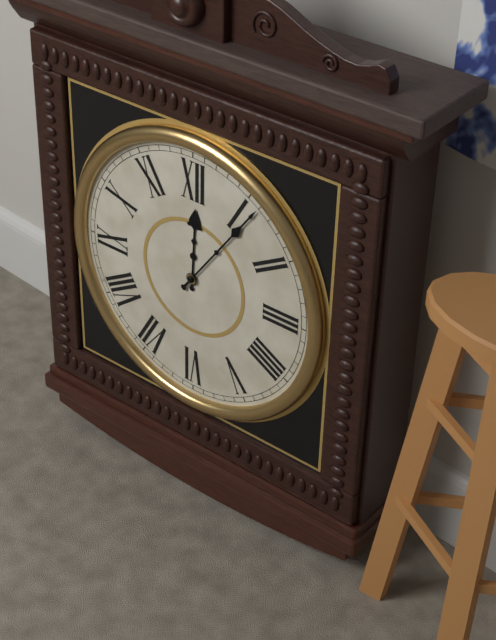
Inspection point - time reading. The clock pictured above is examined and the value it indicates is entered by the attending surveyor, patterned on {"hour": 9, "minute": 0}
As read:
{"hour": 12, "minute": 6}
